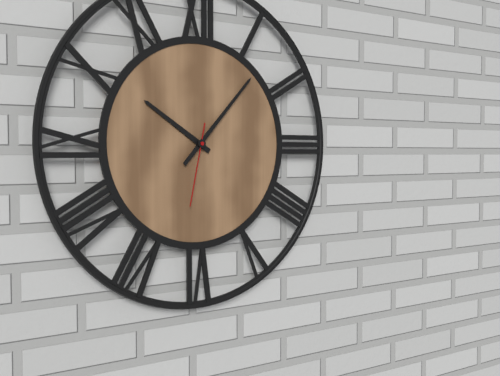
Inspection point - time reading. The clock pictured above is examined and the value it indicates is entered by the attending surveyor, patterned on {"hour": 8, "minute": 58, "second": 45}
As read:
{"hour": 10, "minute": 7, "second": 32}
